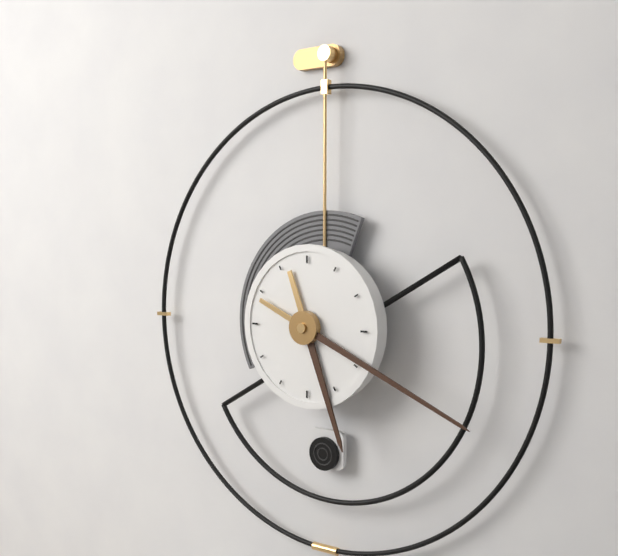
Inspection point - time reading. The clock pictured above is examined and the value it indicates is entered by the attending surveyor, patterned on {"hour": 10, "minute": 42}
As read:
{"hour": 5, "minute": 19}
